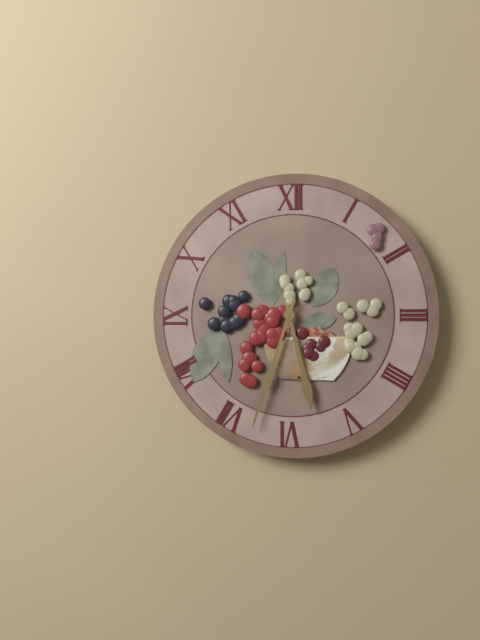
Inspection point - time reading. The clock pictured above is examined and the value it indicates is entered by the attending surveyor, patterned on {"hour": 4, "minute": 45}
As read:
{"hour": 5, "minute": 33}
